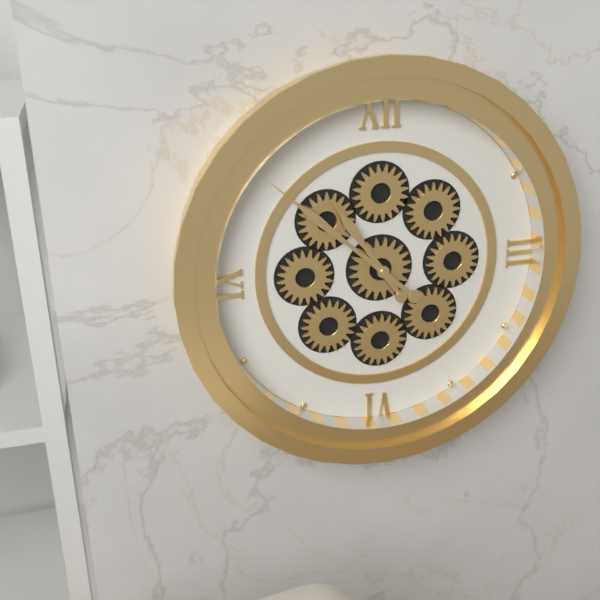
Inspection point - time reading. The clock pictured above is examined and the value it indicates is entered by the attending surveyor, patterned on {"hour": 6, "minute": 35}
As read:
{"hour": 10, "minute": 52}
